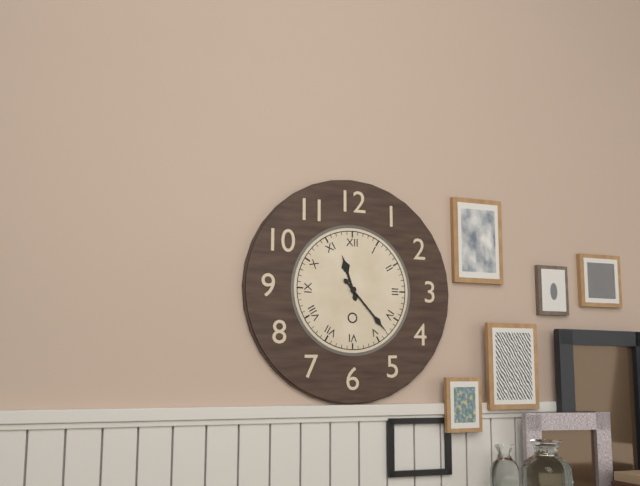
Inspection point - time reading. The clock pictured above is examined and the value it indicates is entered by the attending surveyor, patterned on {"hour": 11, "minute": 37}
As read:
{"hour": 11, "minute": 23}
